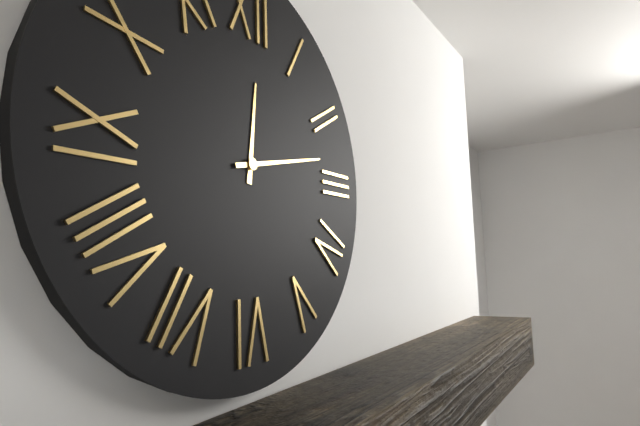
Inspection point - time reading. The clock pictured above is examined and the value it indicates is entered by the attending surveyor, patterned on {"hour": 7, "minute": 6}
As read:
{"hour": 12, "minute": 13}
